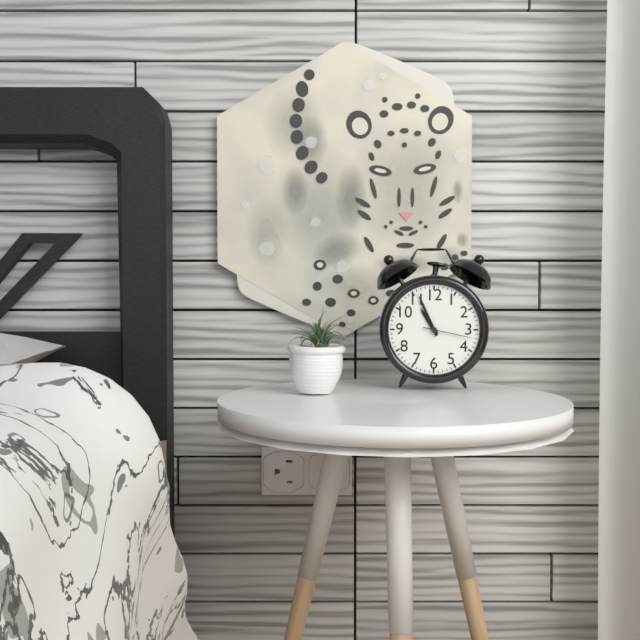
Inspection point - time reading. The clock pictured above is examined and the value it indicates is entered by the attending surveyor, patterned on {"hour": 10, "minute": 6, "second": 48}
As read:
{"hour": 10, "minute": 56, "second": 17}
